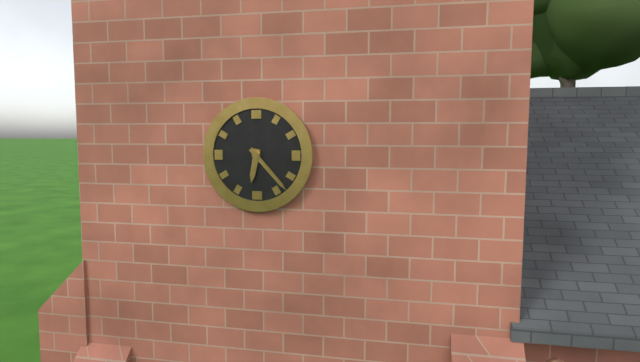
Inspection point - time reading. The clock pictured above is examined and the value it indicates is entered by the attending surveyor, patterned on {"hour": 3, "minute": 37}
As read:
{"hour": 6, "minute": 23}
